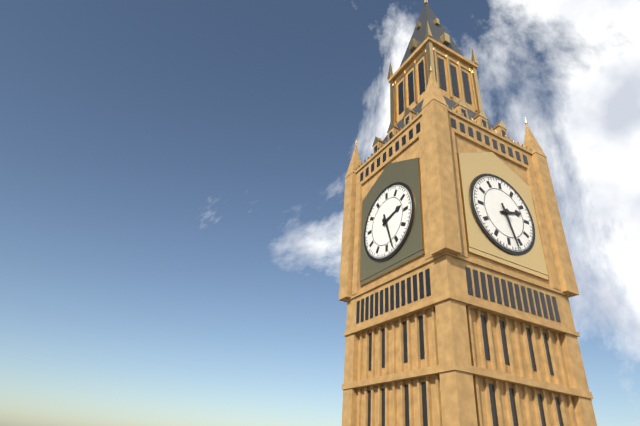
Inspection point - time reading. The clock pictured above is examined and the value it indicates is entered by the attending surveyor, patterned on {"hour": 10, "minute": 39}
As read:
{"hour": 2, "minute": 27}
